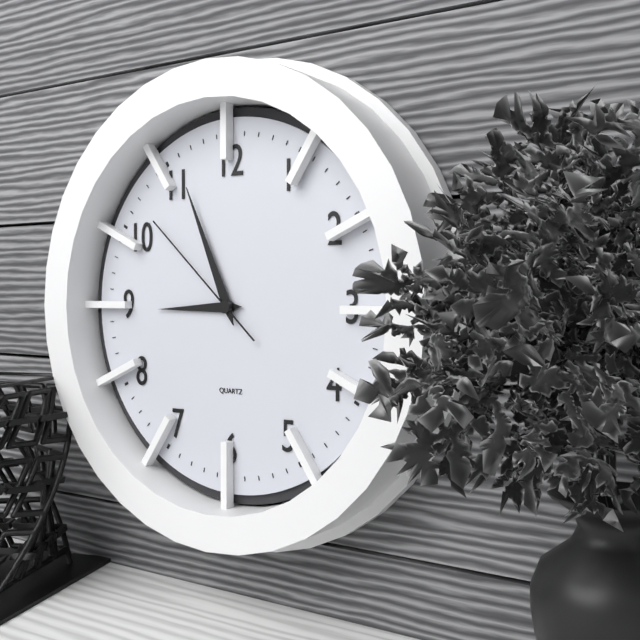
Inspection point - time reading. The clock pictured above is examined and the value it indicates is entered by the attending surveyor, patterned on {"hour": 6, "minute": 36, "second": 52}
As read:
{"hour": 8, "minute": 56, "second": 52}
